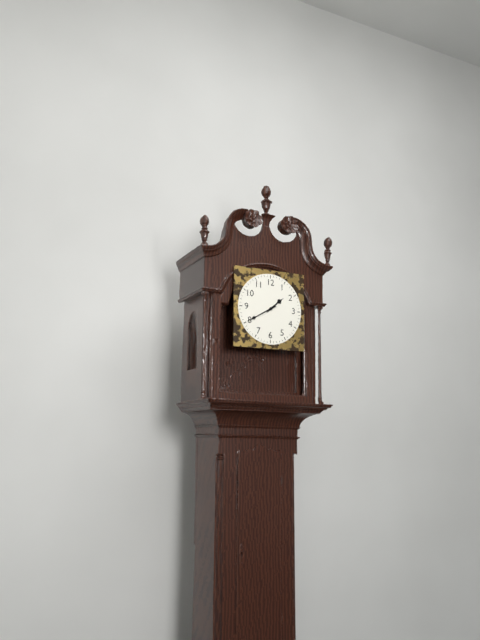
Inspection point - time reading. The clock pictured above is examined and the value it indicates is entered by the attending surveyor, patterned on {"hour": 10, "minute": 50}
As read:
{"hour": 1, "minute": 40}
